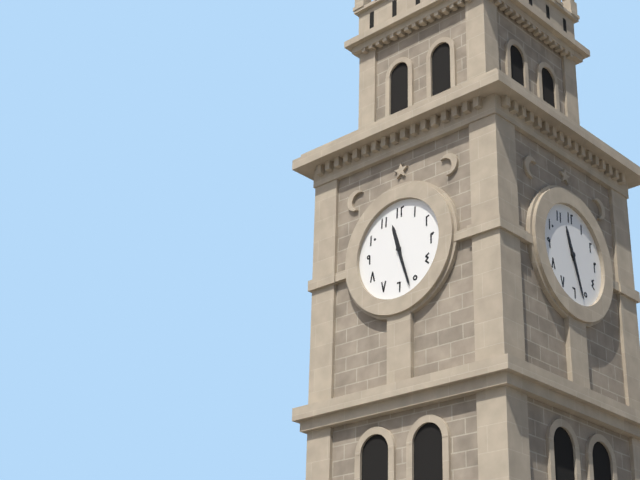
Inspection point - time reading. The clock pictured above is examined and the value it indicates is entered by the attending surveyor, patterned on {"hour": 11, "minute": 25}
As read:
{"hour": 11, "minute": 27}
